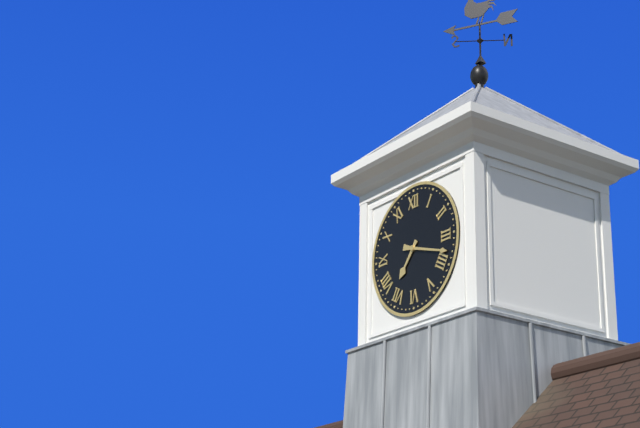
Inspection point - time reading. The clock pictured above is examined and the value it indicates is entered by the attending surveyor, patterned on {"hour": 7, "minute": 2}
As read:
{"hour": 7, "minute": 18}
